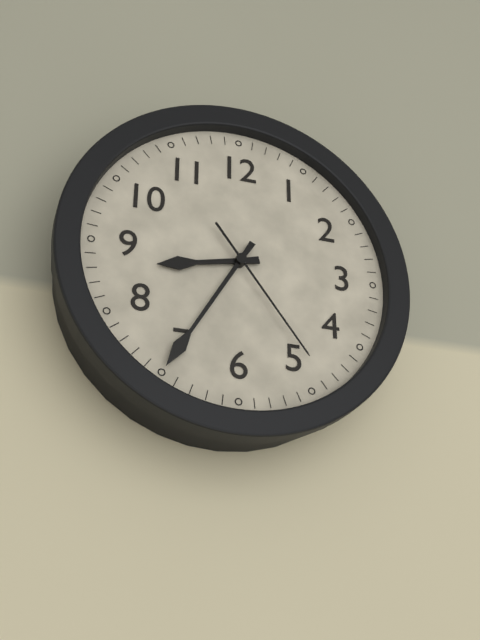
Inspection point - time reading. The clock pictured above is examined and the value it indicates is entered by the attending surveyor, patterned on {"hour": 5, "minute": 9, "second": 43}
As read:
{"hour": 8, "minute": 35, "second": 24}
